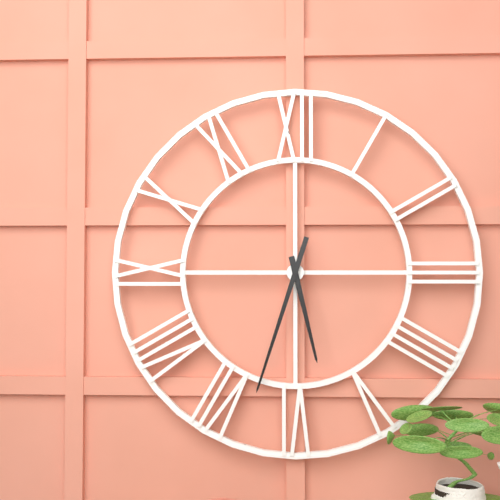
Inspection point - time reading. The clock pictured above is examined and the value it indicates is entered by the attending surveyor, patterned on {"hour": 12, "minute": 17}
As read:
{"hour": 5, "minute": 33}
